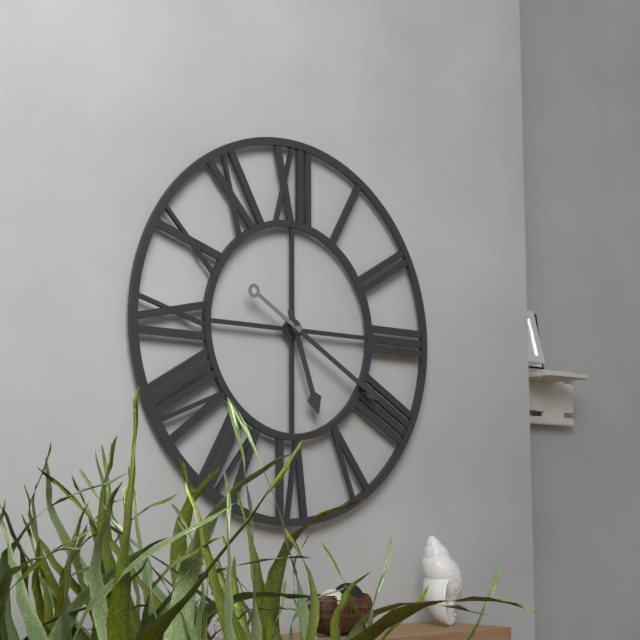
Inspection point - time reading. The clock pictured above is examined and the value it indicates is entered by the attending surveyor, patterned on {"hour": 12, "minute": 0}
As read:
{"hour": 5, "minute": 20}
